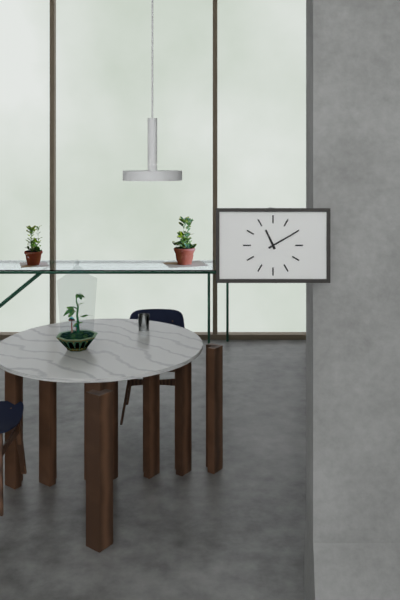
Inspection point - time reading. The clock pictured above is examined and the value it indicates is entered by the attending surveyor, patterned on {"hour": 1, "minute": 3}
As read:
{"hour": 11, "minute": 10}
